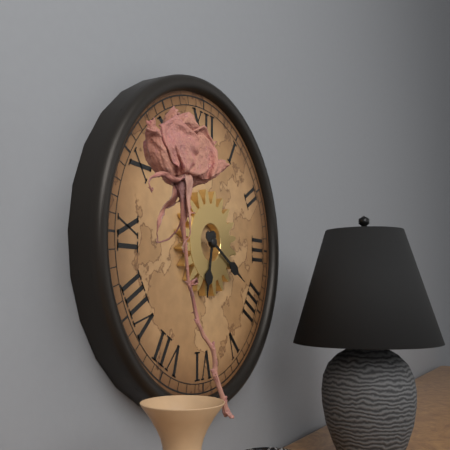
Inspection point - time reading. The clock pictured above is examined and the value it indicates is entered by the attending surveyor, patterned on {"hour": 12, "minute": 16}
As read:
{"hour": 6, "minute": 20}
